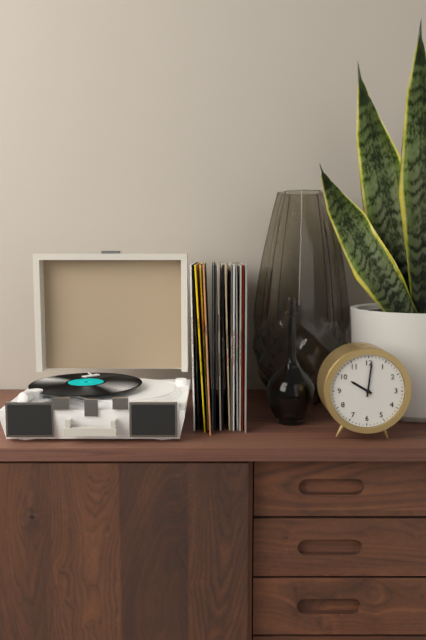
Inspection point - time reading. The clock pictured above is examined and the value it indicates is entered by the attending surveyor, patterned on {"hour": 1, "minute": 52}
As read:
{"hour": 10, "minute": 1}
